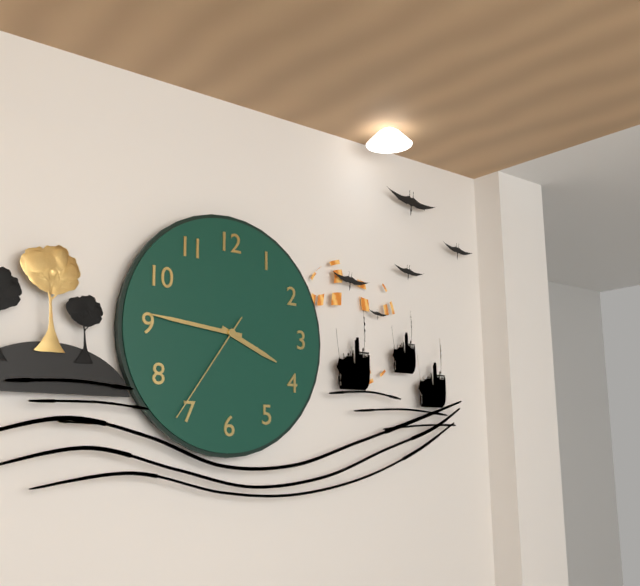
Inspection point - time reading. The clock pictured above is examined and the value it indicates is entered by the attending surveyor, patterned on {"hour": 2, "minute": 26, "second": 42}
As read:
{"hour": 3, "minute": 46, "second": 36}
